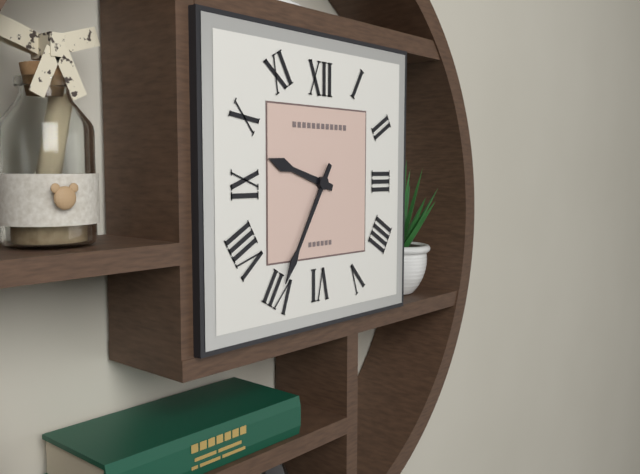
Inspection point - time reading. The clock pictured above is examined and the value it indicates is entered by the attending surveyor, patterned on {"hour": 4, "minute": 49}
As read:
{"hour": 9, "minute": 35}
